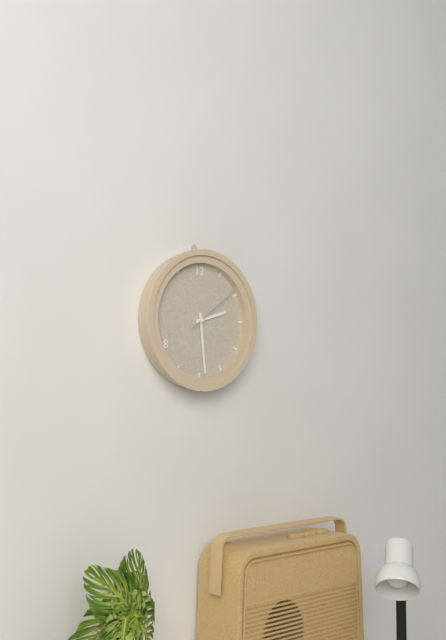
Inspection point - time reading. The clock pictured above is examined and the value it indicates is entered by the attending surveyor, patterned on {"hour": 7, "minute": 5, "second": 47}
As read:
{"hour": 2, "minute": 29, "second": 9}
